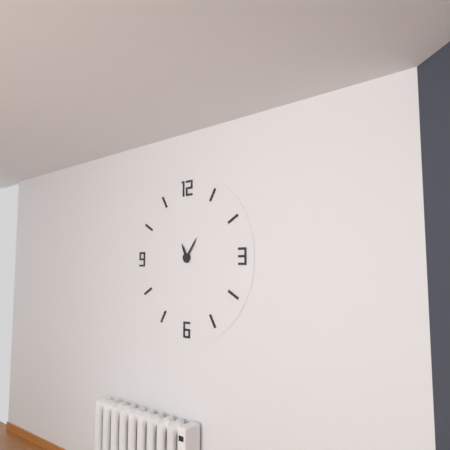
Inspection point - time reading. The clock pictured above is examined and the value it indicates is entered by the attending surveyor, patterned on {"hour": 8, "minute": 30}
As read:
{"hour": 11, "minute": 6}
